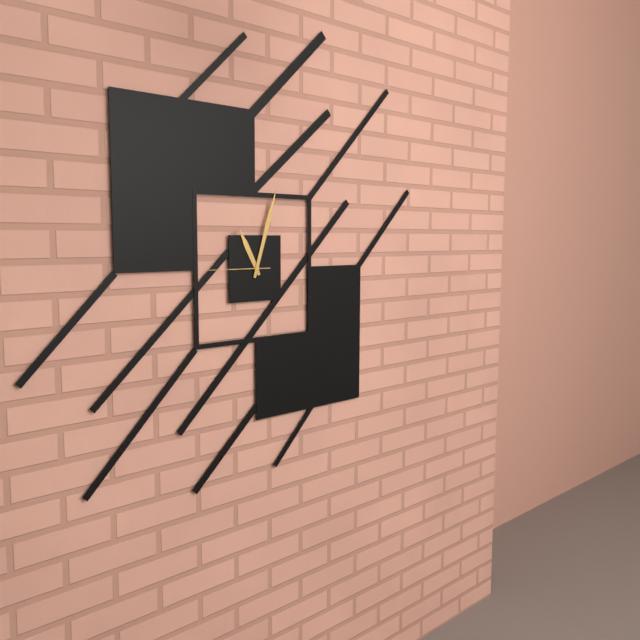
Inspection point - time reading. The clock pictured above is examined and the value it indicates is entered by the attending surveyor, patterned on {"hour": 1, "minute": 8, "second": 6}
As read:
{"hour": 11, "minute": 3, "second": 45}
